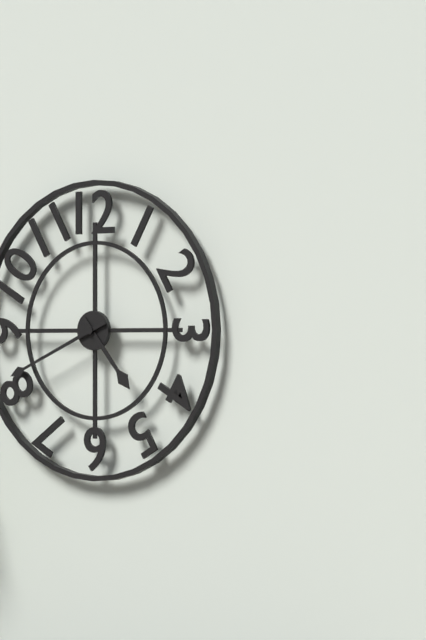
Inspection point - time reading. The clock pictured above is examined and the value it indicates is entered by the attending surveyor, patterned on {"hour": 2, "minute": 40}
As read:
{"hour": 4, "minute": 41}
